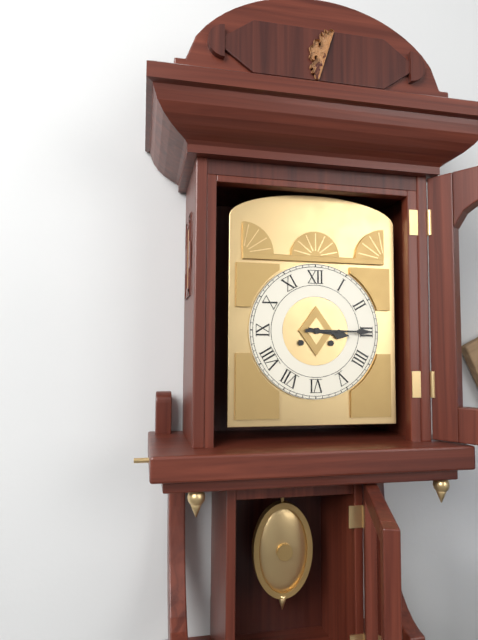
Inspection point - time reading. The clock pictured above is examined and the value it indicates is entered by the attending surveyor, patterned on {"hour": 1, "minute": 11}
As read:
{"hour": 3, "minute": 15}
